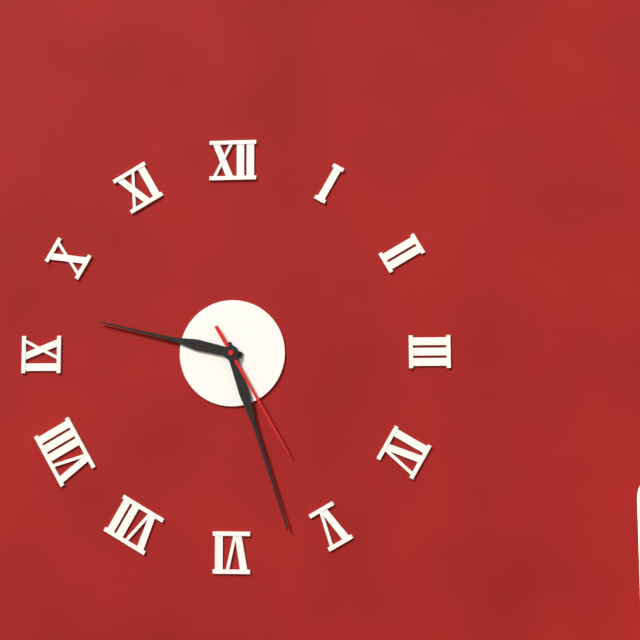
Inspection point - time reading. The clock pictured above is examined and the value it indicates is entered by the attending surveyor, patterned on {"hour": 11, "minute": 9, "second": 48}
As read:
{"hour": 9, "minute": 27, "second": 25}
